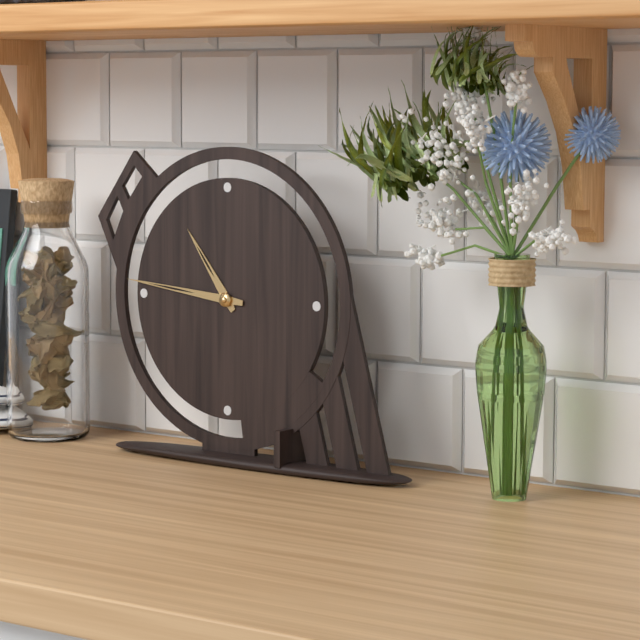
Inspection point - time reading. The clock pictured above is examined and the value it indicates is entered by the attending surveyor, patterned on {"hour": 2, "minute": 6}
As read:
{"hour": 10, "minute": 46}
